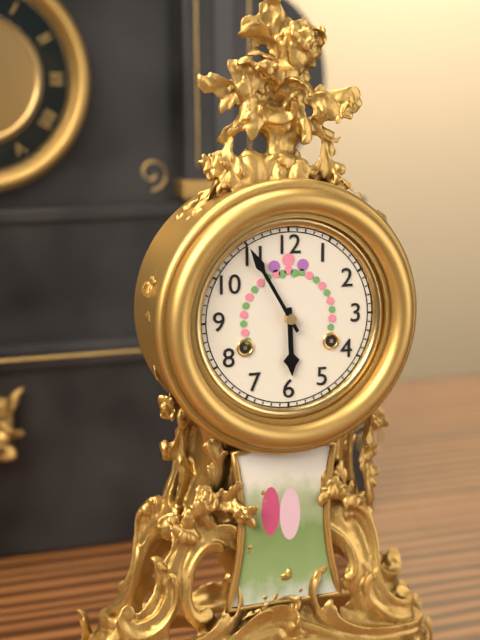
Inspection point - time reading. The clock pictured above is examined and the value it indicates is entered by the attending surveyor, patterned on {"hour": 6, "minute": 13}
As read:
{"hour": 5, "minute": 55}
